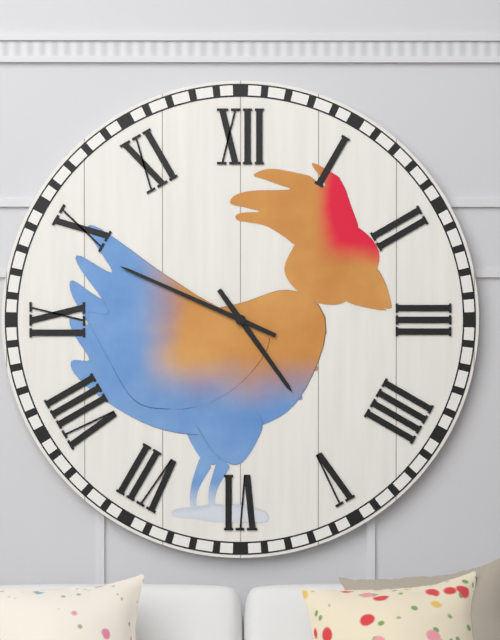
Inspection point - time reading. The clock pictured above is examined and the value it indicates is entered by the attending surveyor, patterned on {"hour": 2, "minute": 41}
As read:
{"hour": 4, "minute": 49}
